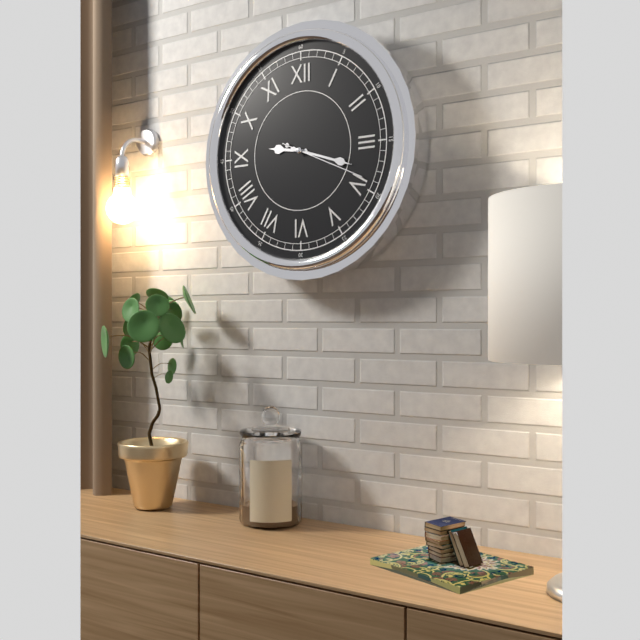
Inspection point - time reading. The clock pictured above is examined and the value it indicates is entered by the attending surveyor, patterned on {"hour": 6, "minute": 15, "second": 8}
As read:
{"hour": 9, "minute": 18, "second": 19}
